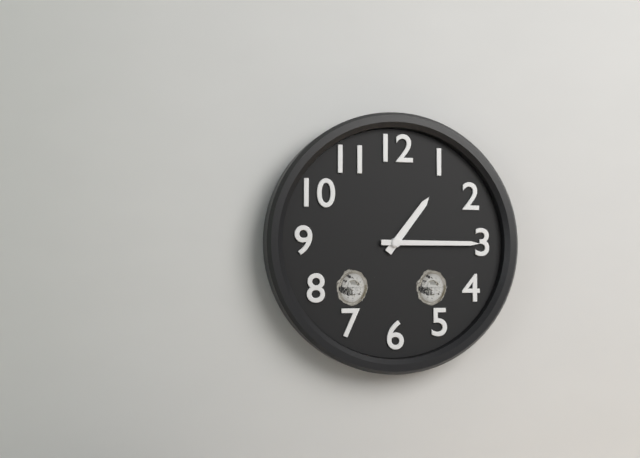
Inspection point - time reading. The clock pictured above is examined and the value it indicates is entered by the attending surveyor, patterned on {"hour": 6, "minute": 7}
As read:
{"hour": 1, "minute": 15}
